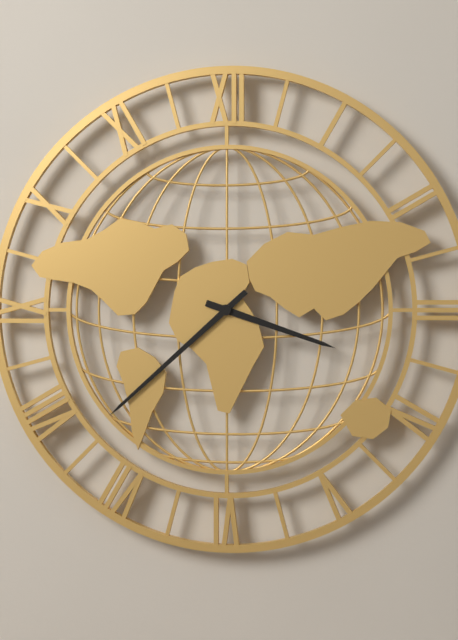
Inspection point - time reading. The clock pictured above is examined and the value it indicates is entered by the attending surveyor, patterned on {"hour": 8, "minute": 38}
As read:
{"hour": 3, "minute": 38}
